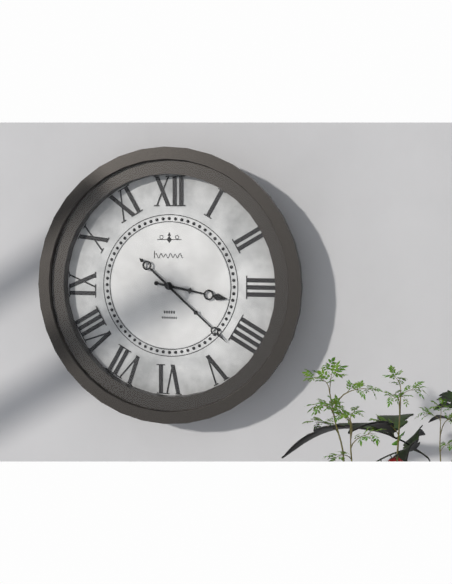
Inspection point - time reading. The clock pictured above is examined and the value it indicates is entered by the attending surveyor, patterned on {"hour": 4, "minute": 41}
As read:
{"hour": 3, "minute": 22}
